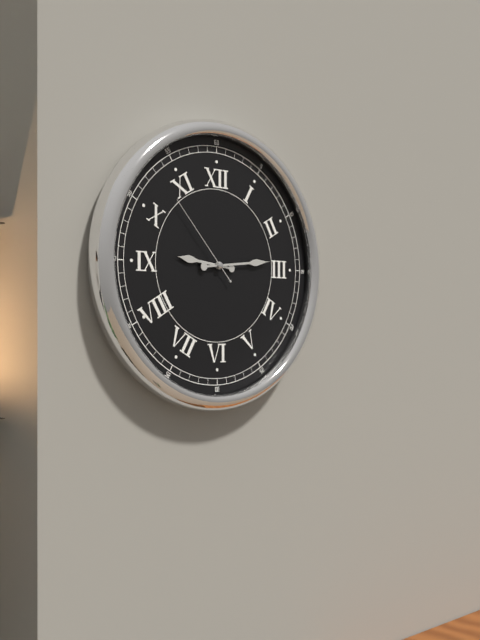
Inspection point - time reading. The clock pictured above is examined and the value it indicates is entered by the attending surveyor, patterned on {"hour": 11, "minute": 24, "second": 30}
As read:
{"hour": 9, "minute": 14, "second": 53}
